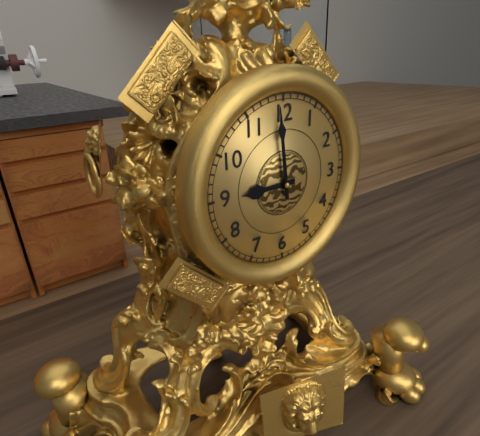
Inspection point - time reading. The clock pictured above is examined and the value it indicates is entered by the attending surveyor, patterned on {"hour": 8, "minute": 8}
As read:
{"hour": 8, "minute": 59}
